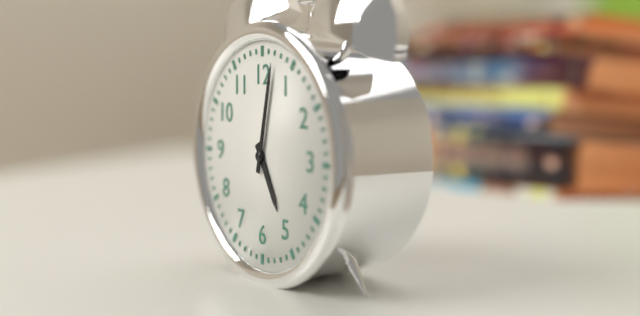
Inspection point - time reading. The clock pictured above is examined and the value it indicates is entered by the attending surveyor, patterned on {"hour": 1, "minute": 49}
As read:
{"hour": 5, "minute": 2}
